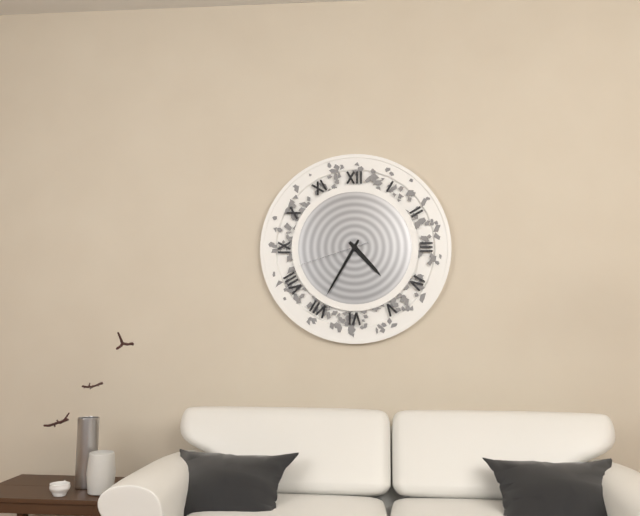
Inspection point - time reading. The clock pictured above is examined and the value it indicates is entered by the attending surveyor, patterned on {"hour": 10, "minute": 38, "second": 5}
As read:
{"hour": 4, "minute": 35, "second": 42}
